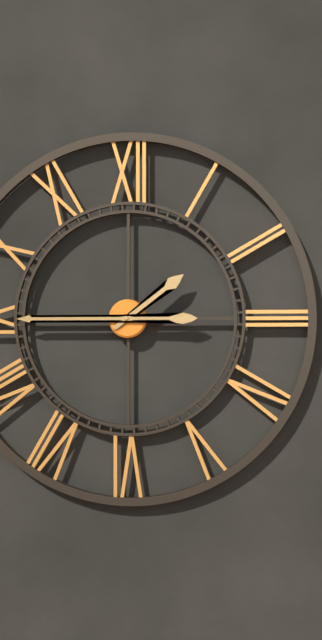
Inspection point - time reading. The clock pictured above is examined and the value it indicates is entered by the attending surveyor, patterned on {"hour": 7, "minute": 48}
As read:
{"hour": 1, "minute": 45}
